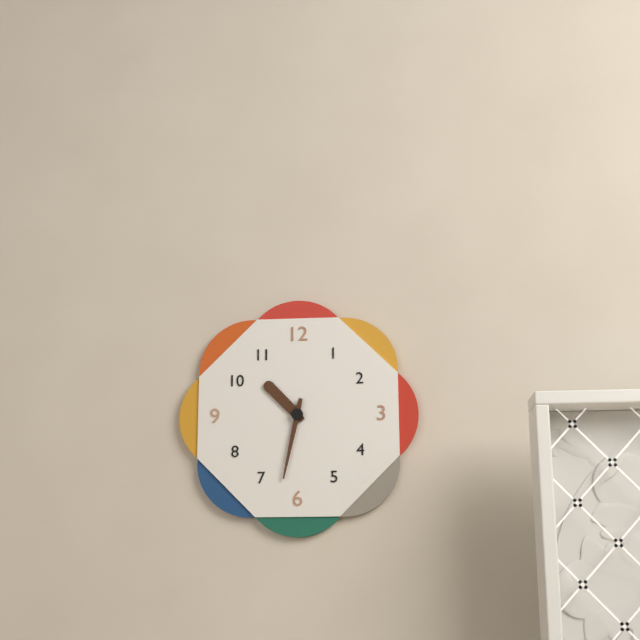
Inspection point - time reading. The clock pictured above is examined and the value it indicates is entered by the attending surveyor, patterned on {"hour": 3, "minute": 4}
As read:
{"hour": 10, "minute": 32}
